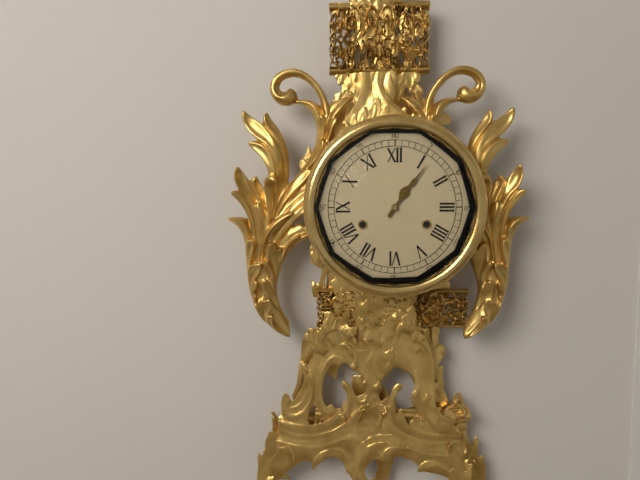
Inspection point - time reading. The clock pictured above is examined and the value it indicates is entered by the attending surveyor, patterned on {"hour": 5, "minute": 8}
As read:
{"hour": 1, "minute": 6}
